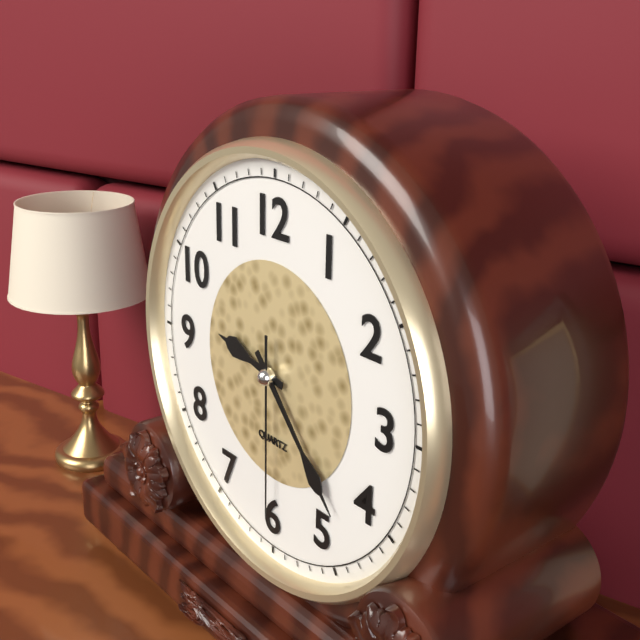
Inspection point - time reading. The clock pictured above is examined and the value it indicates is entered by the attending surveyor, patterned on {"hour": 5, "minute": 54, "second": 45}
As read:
{"hour": 9, "minute": 23, "second": 30}
